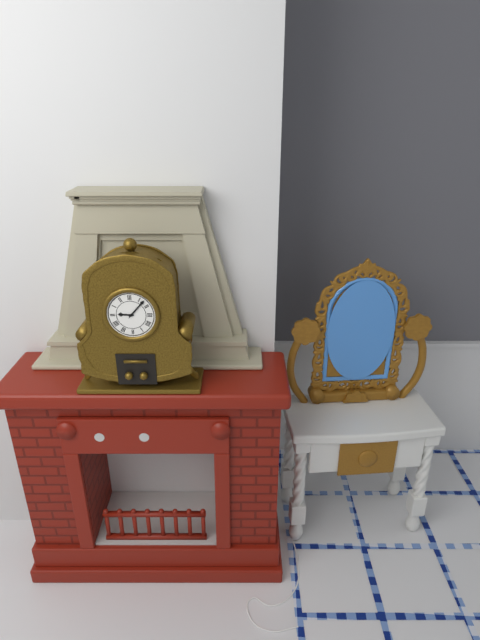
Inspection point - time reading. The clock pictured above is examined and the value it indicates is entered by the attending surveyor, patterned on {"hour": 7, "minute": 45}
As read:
{"hour": 9, "minute": 7}
